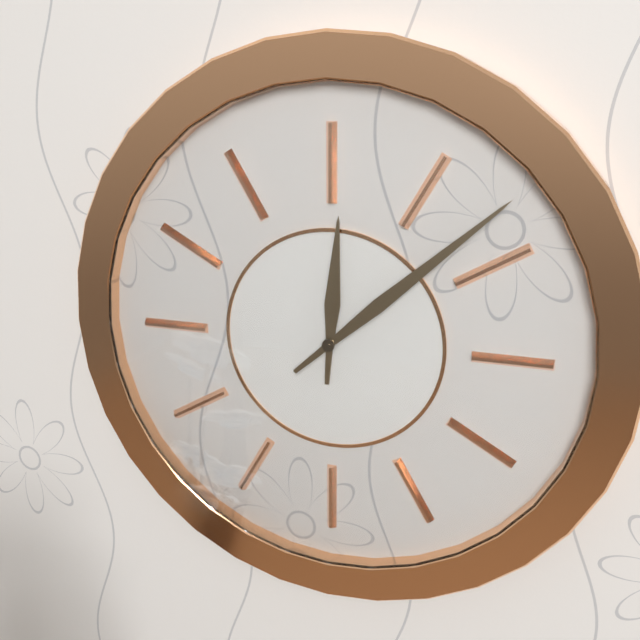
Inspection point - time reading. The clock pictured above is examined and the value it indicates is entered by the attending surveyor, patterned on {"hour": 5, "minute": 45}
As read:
{"hour": 12, "minute": 8}
